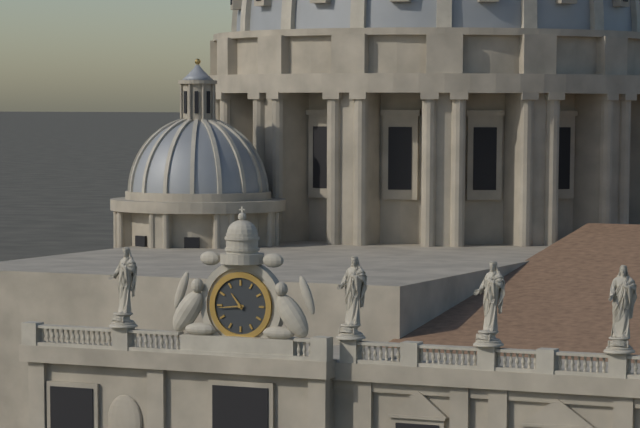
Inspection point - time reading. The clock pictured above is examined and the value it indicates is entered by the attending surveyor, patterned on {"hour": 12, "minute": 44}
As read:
{"hour": 10, "minute": 44}
